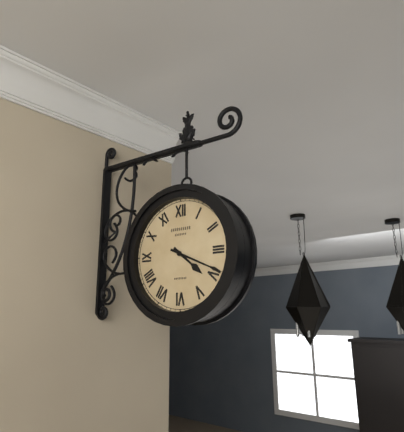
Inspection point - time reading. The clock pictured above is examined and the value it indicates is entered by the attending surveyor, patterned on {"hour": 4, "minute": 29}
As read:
{"hour": 4, "minute": 19}
